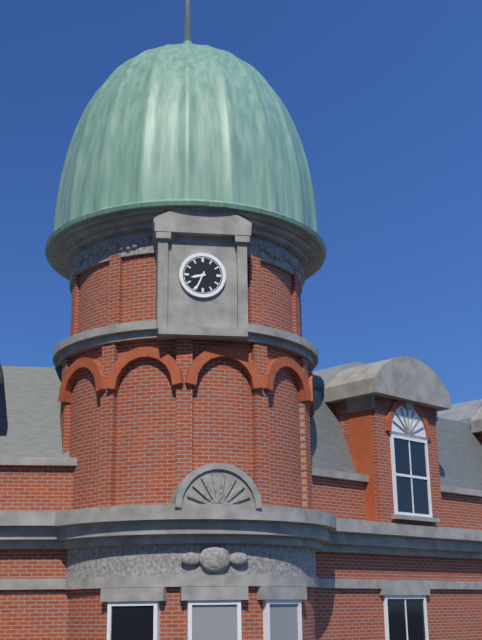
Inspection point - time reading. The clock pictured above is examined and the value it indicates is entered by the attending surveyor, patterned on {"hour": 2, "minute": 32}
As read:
{"hour": 8, "minute": 34}
